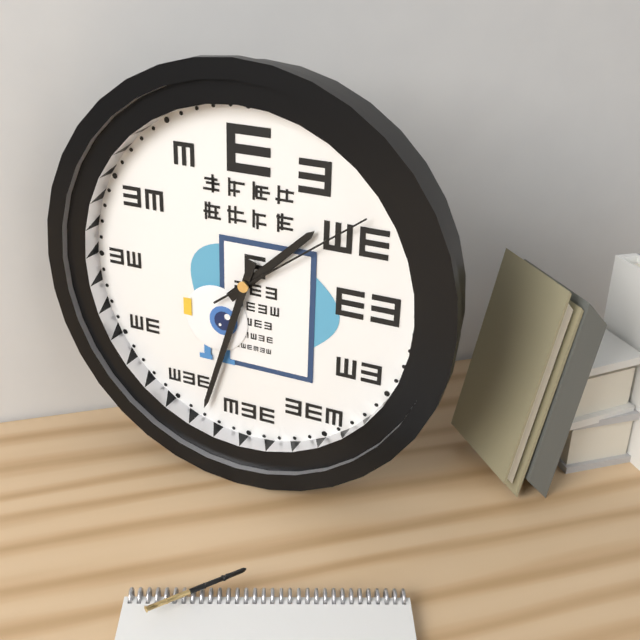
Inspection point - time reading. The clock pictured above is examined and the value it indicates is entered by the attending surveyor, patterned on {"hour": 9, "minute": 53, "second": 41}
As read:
{"hour": 1, "minute": 33, "second": 9}
